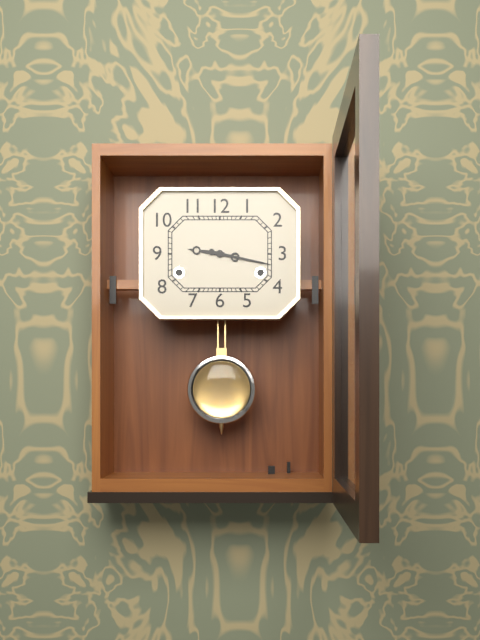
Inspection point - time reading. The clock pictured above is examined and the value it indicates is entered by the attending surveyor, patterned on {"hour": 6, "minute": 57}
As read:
{"hour": 9, "minute": 17}
